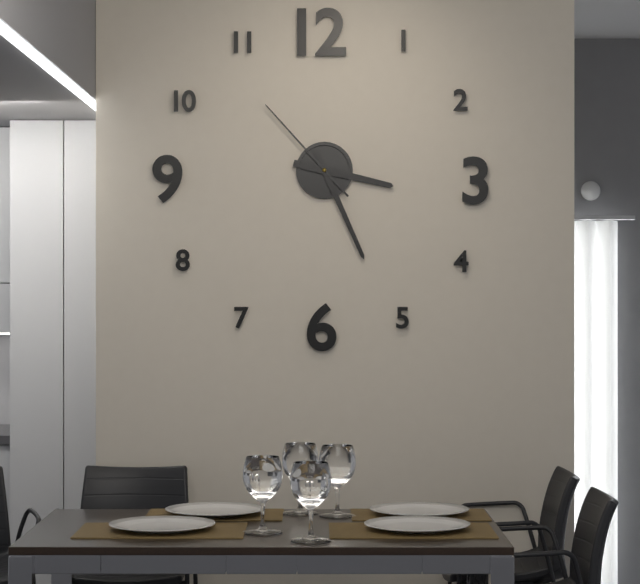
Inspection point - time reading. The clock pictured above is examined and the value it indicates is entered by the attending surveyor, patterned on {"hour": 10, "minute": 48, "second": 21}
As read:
{"hour": 3, "minute": 26, "second": 53}
